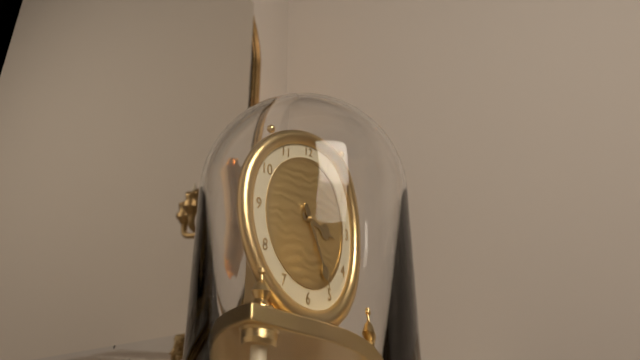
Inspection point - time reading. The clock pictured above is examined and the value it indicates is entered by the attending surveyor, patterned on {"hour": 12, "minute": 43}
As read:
{"hour": 3, "minute": 25}
